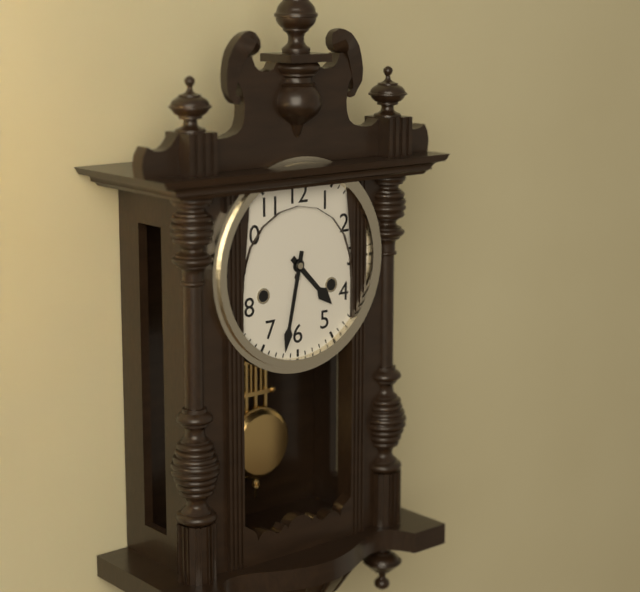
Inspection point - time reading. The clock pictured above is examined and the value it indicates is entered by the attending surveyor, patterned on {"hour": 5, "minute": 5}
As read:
{"hour": 4, "minute": 32}
